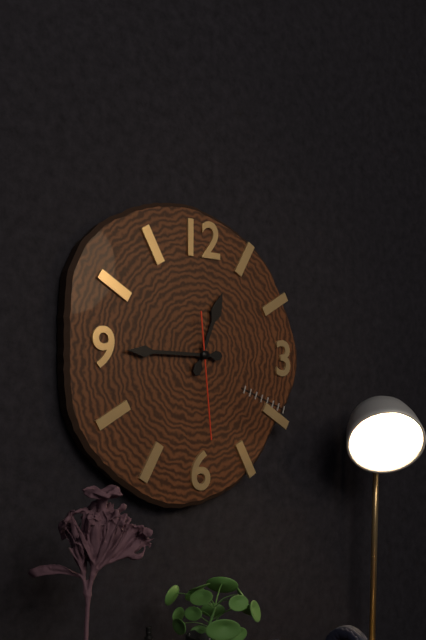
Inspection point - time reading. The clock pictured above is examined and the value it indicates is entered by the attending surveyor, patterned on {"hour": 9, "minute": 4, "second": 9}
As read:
{"hour": 12, "minute": 45, "second": 29}
